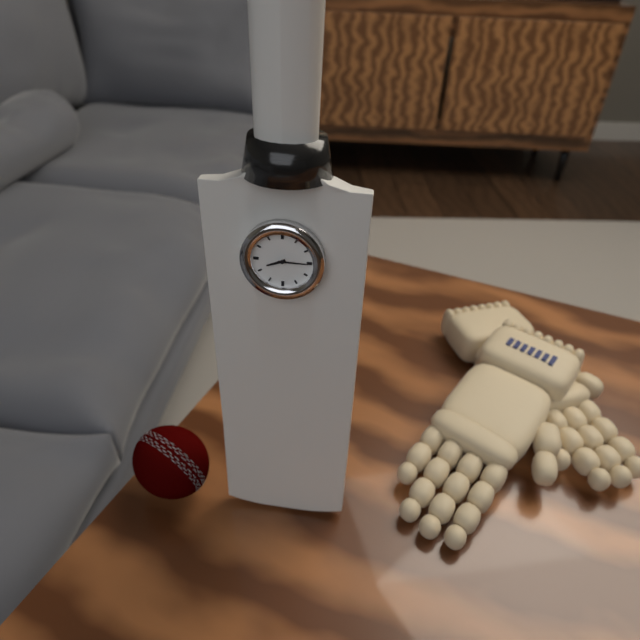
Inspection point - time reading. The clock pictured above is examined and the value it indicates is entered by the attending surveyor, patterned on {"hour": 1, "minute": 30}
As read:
{"hour": 8, "minute": 15}
